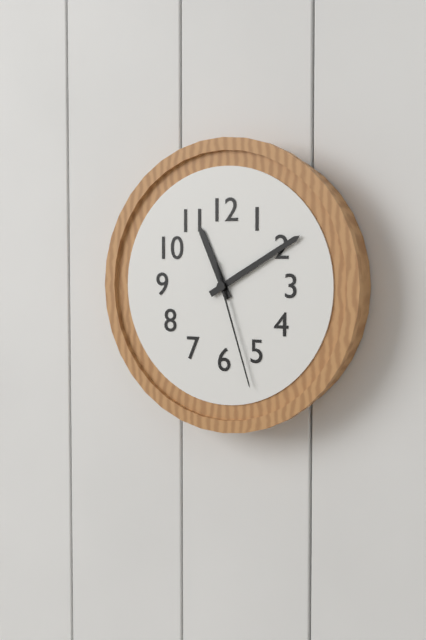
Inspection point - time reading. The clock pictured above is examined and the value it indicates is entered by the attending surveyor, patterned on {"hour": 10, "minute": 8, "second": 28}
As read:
{"hour": 11, "minute": 10, "second": 27}
